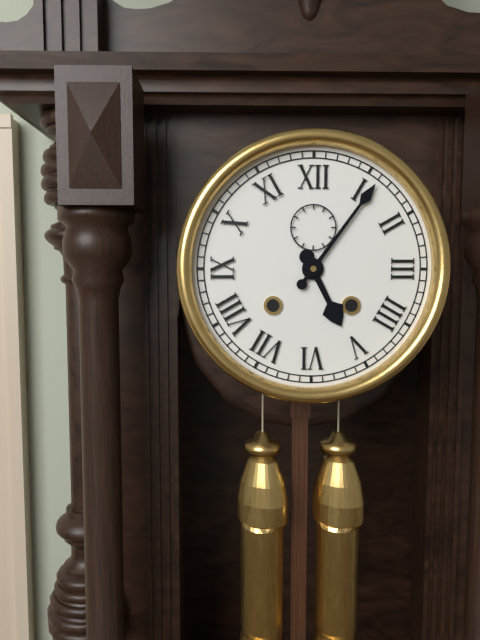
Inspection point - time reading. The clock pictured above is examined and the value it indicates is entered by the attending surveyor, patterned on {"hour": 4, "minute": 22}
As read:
{"hour": 5, "minute": 6}
